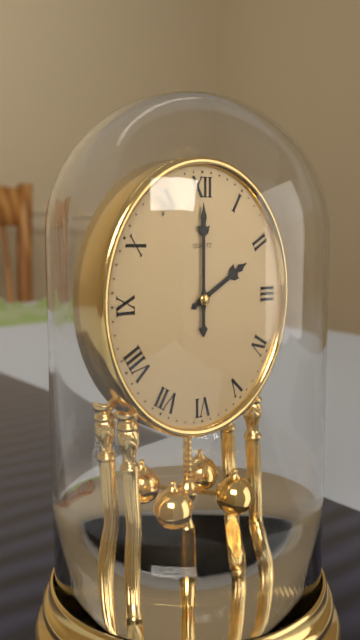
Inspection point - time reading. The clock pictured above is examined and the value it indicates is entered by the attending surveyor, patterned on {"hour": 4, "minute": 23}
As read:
{"hour": 2, "minute": 0}
